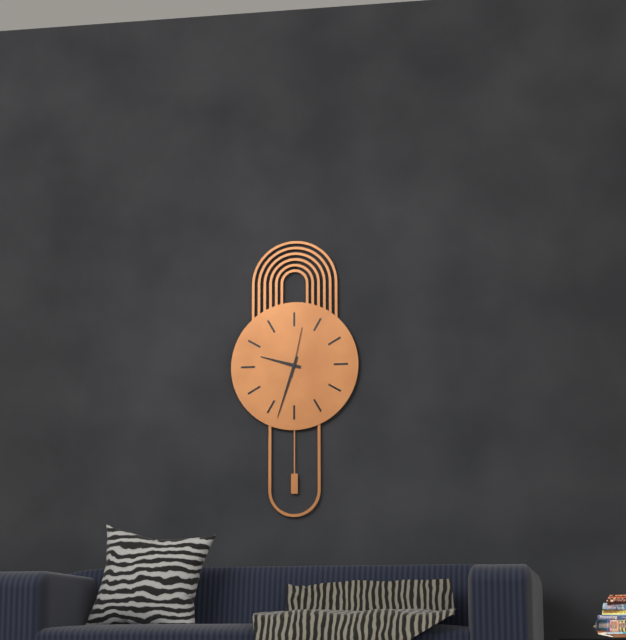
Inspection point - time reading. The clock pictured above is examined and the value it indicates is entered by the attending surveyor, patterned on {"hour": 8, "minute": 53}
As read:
{"hour": 9, "minute": 33}
